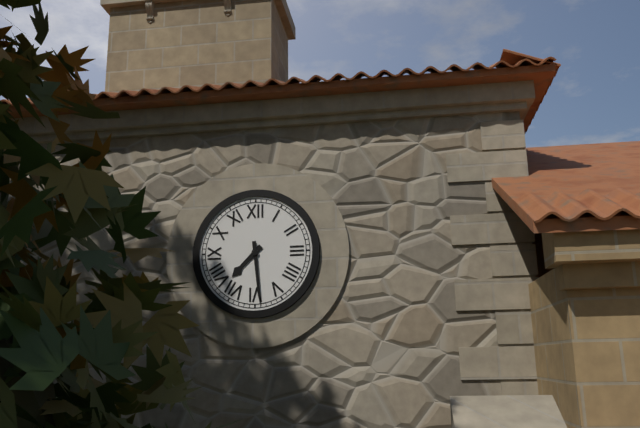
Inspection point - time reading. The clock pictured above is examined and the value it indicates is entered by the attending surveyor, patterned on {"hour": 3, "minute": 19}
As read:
{"hour": 7, "minute": 29}
